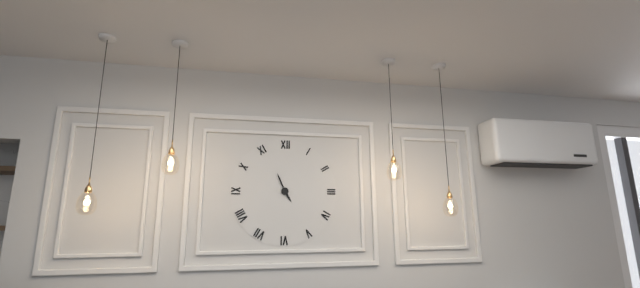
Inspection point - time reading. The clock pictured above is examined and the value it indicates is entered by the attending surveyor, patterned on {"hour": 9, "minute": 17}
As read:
{"hour": 4, "minute": 56}
